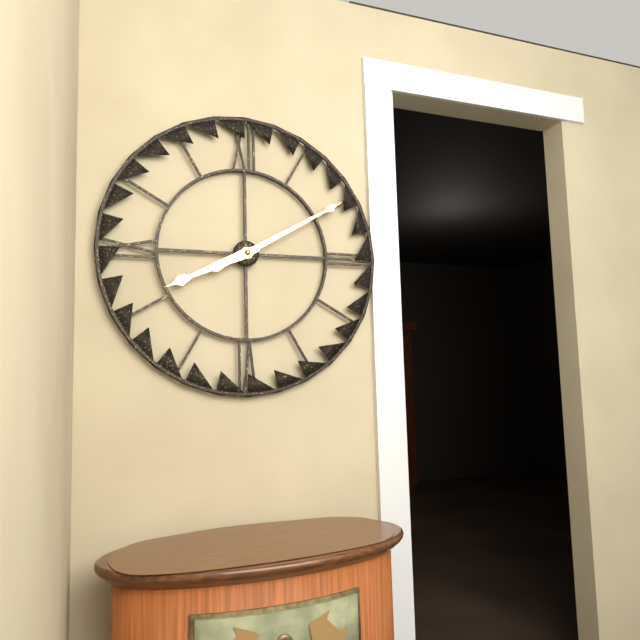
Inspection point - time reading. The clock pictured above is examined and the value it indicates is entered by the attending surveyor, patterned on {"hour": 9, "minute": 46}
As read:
{"hour": 8, "minute": 10}
